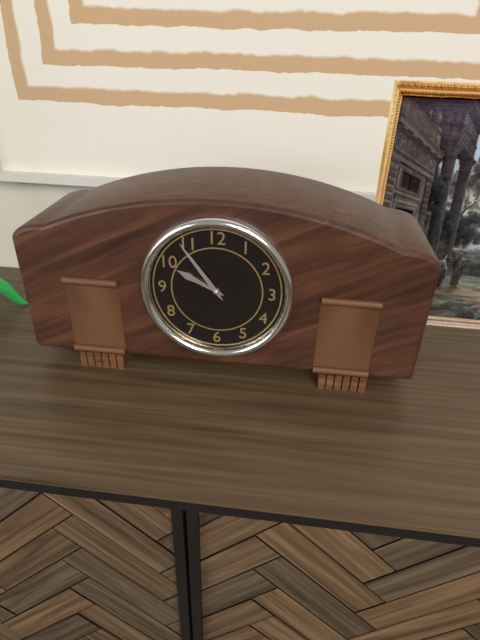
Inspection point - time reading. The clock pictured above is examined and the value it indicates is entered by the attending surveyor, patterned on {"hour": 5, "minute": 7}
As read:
{"hour": 9, "minute": 54}
